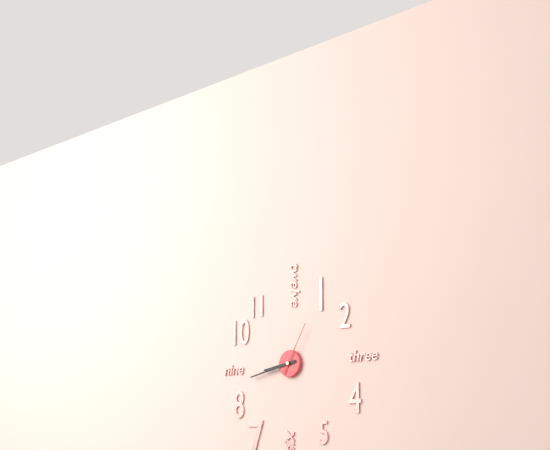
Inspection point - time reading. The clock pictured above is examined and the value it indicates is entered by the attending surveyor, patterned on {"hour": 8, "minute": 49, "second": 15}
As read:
{"hour": 8, "minute": 43, "second": 5}
